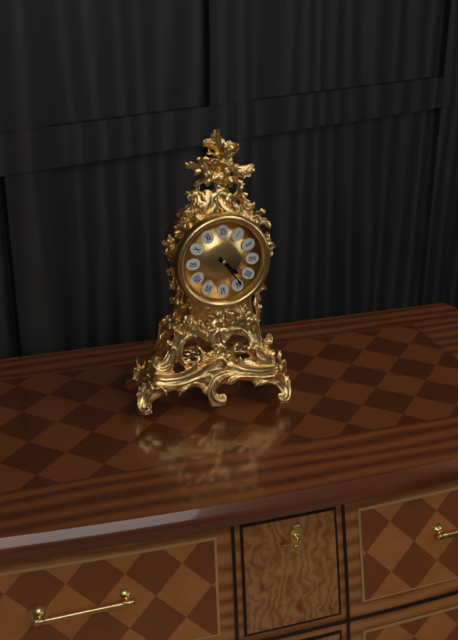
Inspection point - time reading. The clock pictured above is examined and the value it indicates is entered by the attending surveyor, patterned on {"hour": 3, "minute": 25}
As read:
{"hour": 4, "minute": 24}
